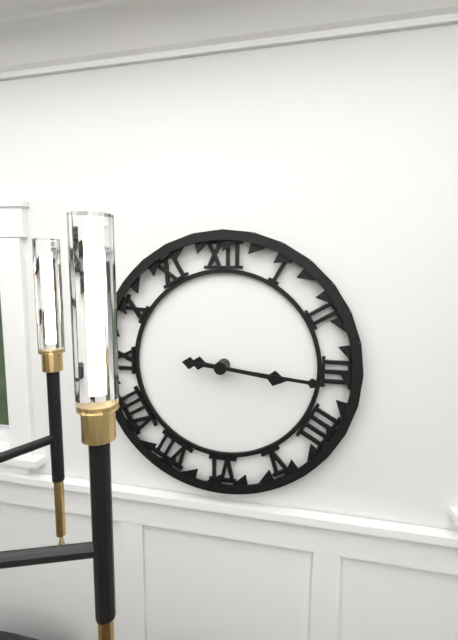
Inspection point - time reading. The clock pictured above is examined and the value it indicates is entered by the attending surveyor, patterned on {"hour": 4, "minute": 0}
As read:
{"hour": 3, "minute": 16}
